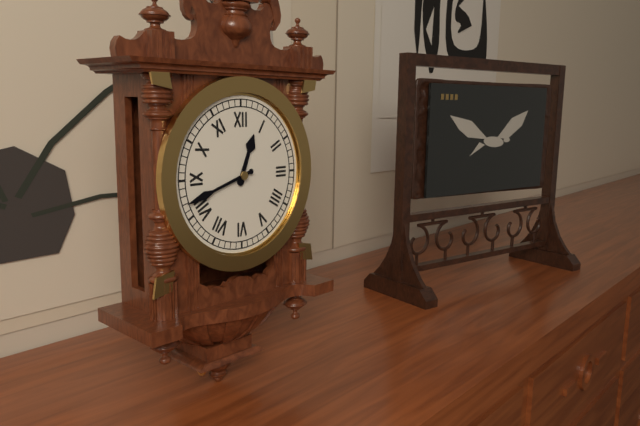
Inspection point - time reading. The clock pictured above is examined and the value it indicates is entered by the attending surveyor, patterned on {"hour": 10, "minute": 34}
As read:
{"hour": 12, "minute": 42}
